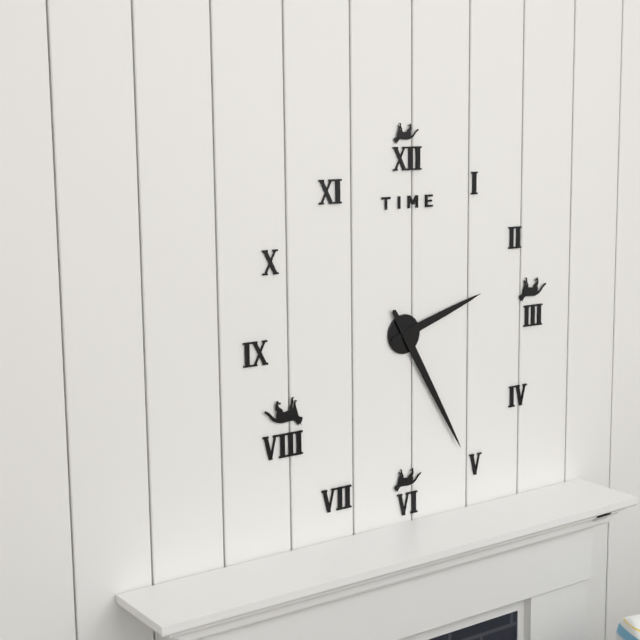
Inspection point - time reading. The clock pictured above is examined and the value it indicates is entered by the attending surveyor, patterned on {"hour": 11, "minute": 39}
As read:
{"hour": 2, "minute": 25}
